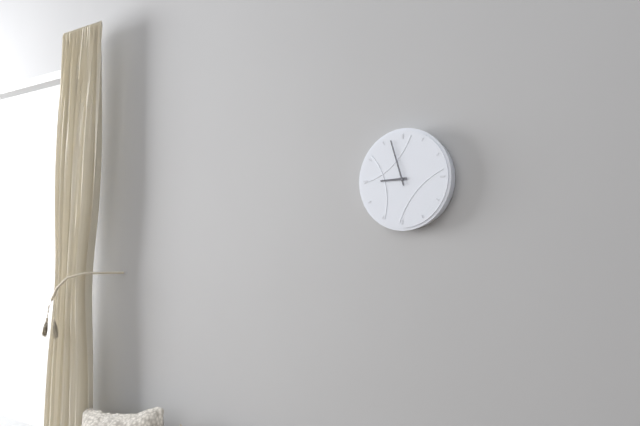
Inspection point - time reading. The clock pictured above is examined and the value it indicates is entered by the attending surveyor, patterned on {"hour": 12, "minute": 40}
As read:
{"hour": 8, "minute": 57}
